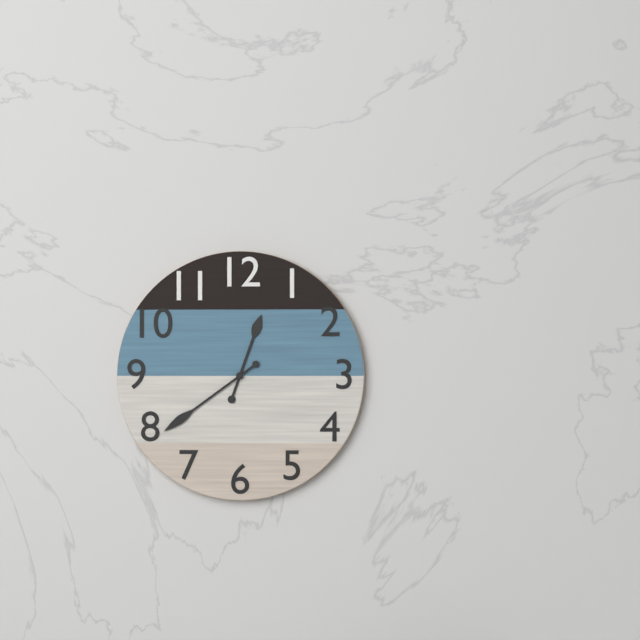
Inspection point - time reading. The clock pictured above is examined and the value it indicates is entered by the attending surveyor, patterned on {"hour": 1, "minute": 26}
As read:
{"hour": 12, "minute": 39}
